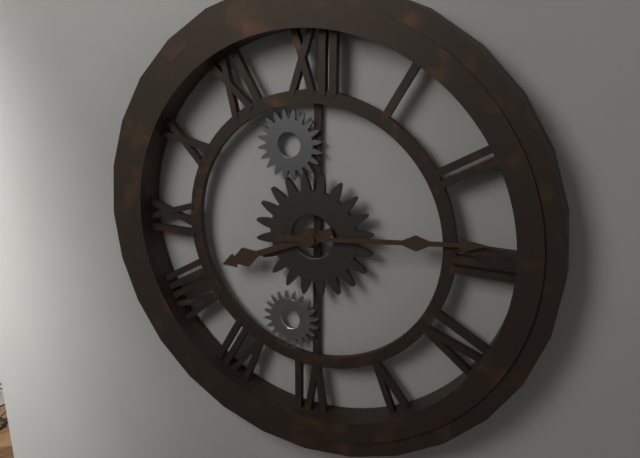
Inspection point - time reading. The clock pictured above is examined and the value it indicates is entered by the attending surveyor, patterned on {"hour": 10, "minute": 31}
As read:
{"hour": 8, "minute": 14}
